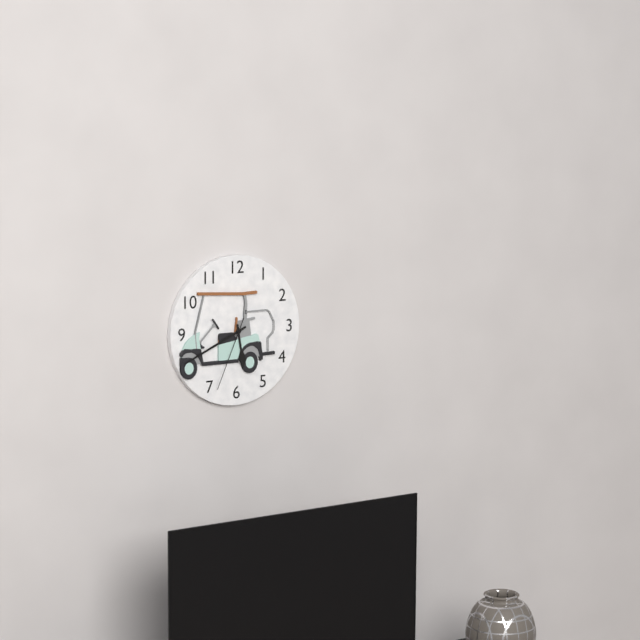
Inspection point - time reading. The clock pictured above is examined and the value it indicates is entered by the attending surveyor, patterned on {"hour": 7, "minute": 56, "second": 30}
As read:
{"hour": 5, "minute": 41, "second": 34}
